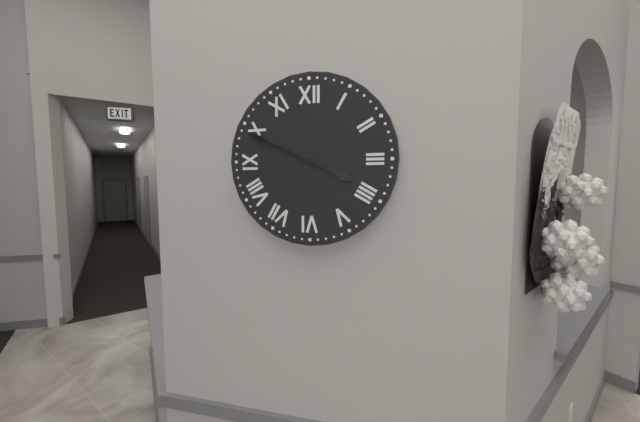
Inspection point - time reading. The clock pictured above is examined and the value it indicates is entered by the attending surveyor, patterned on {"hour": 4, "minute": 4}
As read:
{"hour": 3, "minute": 49}
